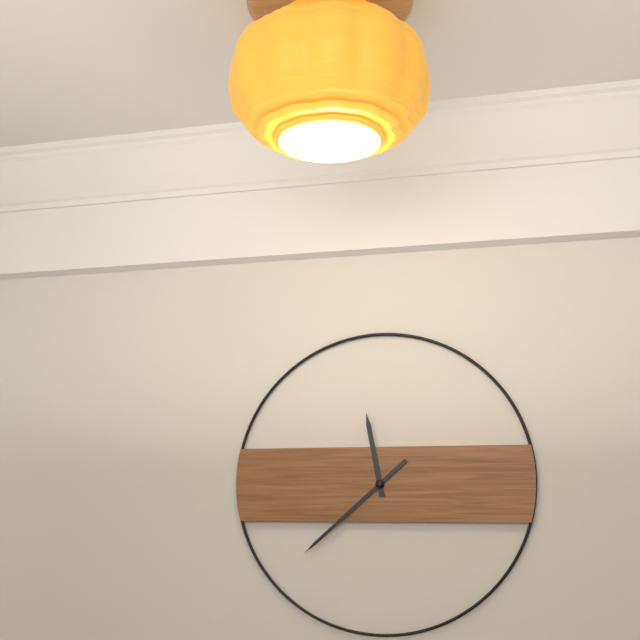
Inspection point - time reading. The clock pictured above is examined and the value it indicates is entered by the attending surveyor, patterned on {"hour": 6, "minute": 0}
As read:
{"hour": 11, "minute": 38}
